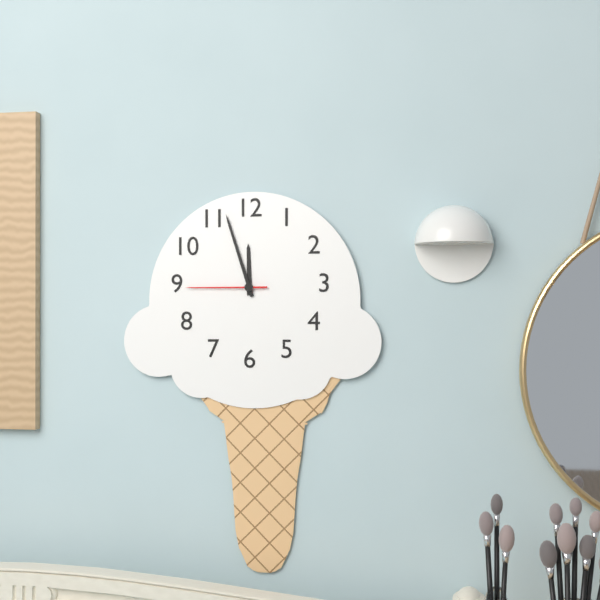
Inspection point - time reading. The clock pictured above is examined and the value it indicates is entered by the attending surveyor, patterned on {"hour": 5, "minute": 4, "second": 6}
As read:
{"hour": 11, "minute": 57, "second": 45}
